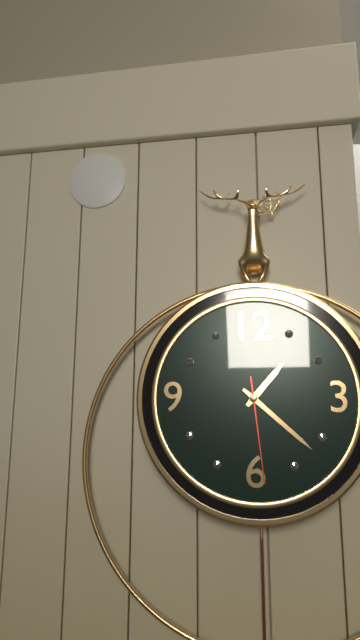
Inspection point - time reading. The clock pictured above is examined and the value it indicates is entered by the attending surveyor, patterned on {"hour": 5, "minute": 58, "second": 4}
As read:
{"hour": 1, "minute": 22, "second": 29}
